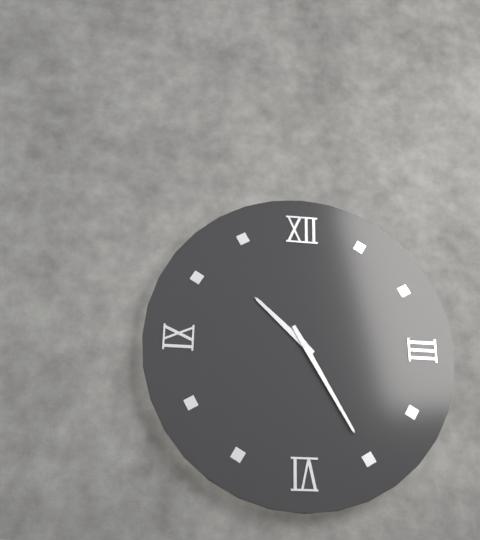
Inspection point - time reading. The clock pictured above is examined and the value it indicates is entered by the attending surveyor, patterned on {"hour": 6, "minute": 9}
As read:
{"hour": 10, "minute": 25}
